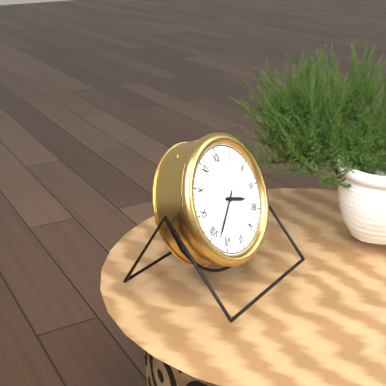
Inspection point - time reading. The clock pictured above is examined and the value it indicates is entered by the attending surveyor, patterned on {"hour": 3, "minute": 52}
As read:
{"hour": 3, "minute": 38}
